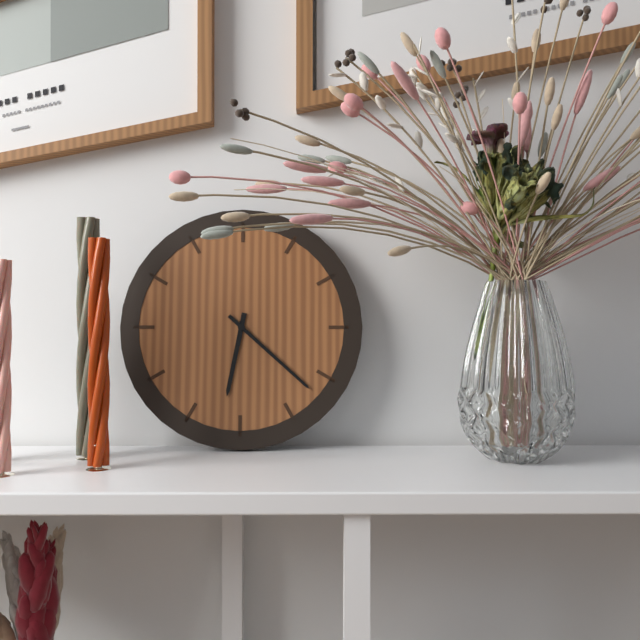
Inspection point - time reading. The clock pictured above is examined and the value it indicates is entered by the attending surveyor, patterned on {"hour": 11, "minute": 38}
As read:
{"hour": 6, "minute": 22}
